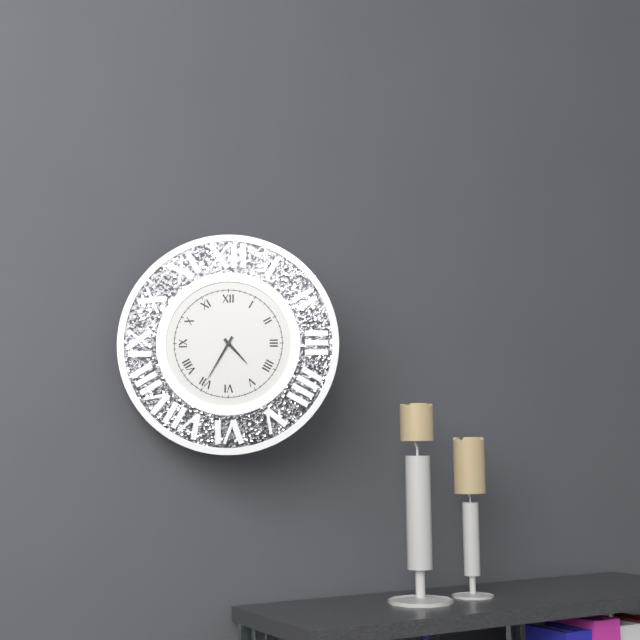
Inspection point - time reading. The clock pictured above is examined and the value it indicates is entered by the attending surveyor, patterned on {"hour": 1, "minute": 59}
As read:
{"hour": 4, "minute": 35}
